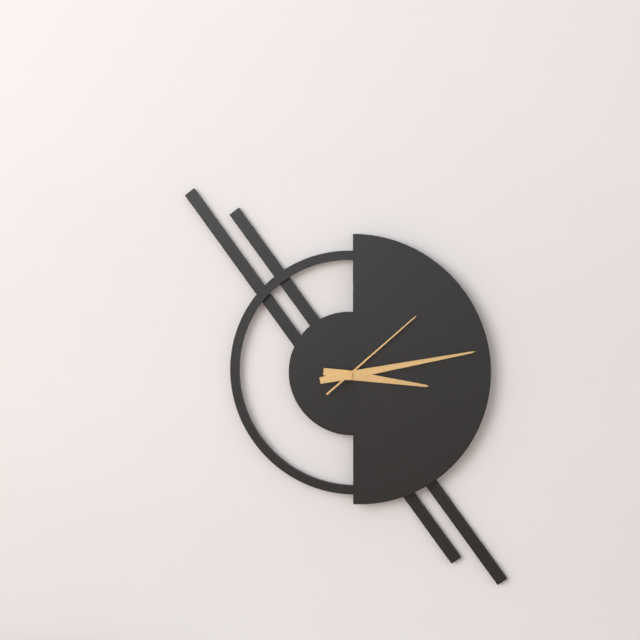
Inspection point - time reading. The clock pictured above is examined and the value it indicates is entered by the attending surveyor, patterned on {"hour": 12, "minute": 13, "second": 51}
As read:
{"hour": 3, "minute": 13, "second": 8}
